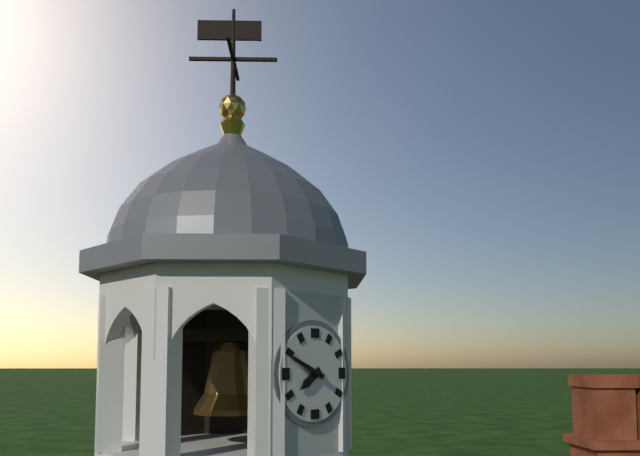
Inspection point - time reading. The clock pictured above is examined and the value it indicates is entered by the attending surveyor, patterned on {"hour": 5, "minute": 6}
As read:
{"hour": 7, "minute": 49}
